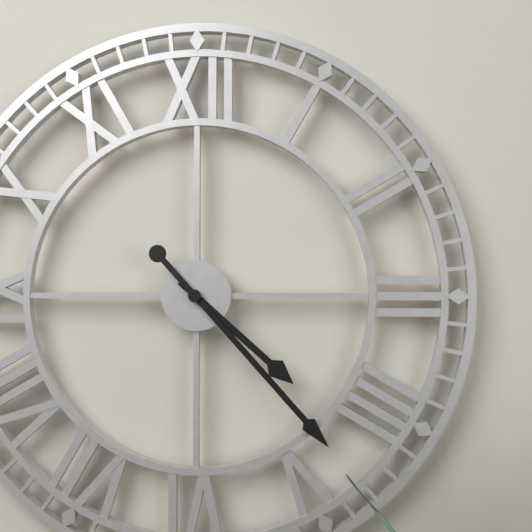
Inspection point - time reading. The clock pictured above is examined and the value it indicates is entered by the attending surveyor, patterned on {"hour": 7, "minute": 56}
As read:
{"hour": 4, "minute": 23}
